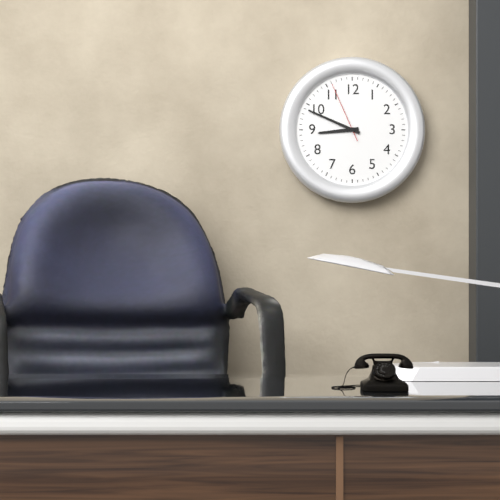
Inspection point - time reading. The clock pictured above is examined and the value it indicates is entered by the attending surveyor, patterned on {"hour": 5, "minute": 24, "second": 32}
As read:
{"hour": 8, "minute": 49, "second": 56}
